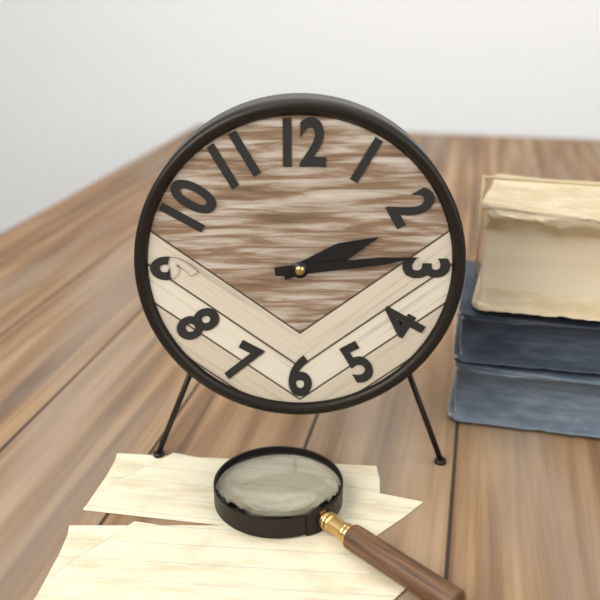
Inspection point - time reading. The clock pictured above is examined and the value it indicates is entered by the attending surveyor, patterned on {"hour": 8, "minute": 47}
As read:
{"hour": 2, "minute": 14}
